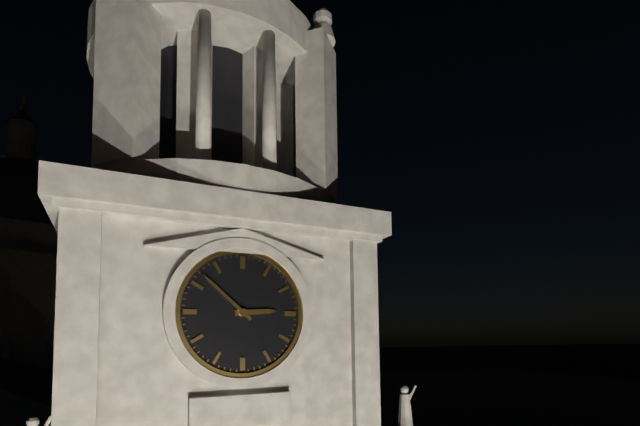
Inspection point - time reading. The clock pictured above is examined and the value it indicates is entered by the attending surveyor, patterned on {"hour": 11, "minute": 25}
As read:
{"hour": 2, "minute": 52}
